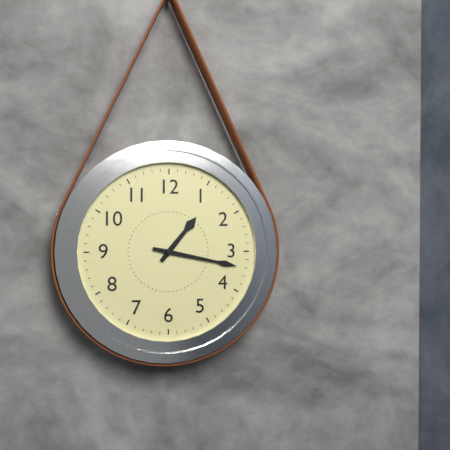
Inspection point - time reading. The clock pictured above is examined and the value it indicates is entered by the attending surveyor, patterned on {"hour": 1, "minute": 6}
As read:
{"hour": 1, "minute": 17}
